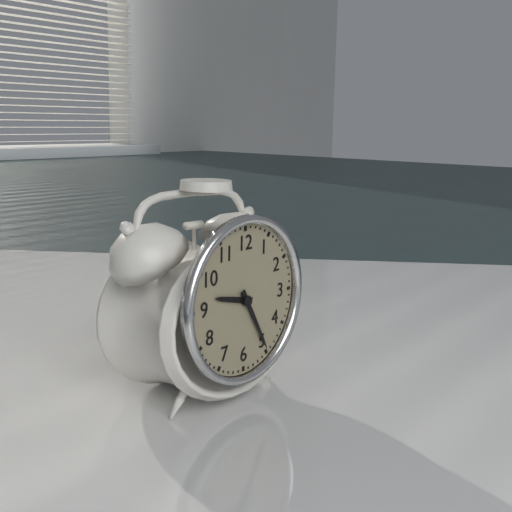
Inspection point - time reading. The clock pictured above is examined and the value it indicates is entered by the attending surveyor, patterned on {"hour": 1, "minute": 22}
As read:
{"hour": 9, "minute": 25}
